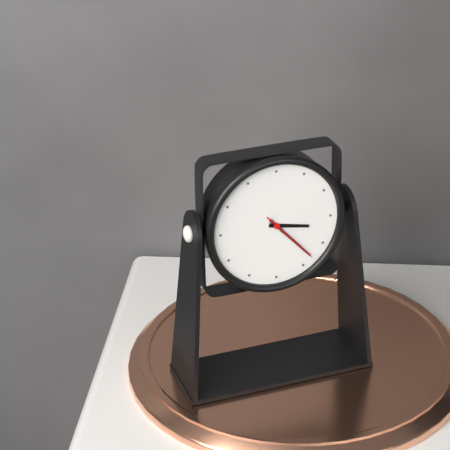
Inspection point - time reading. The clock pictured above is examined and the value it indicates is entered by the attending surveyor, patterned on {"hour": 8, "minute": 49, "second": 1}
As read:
{"hour": 3, "minute": 23, "second": 23}
